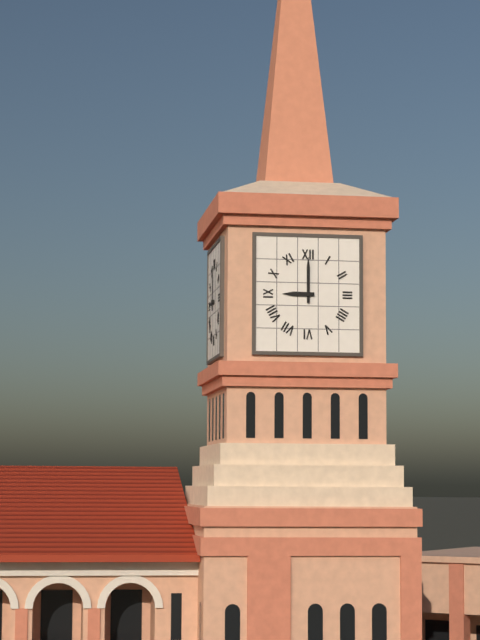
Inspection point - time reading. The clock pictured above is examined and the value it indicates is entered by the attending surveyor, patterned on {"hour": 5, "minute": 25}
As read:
{"hour": 9, "minute": 0}
